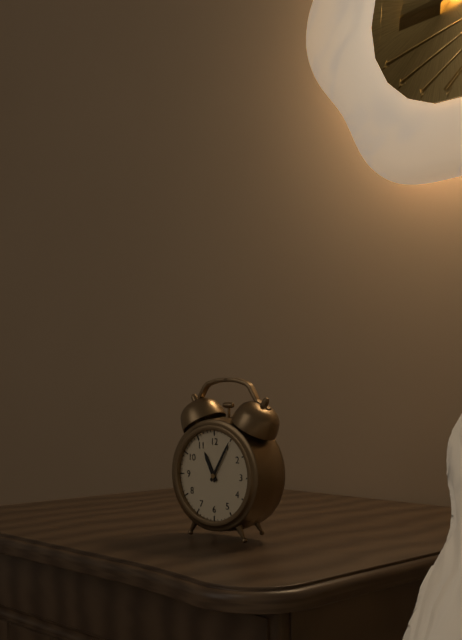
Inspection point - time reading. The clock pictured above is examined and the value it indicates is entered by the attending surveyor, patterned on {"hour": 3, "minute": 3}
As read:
{"hour": 11, "minute": 5}
